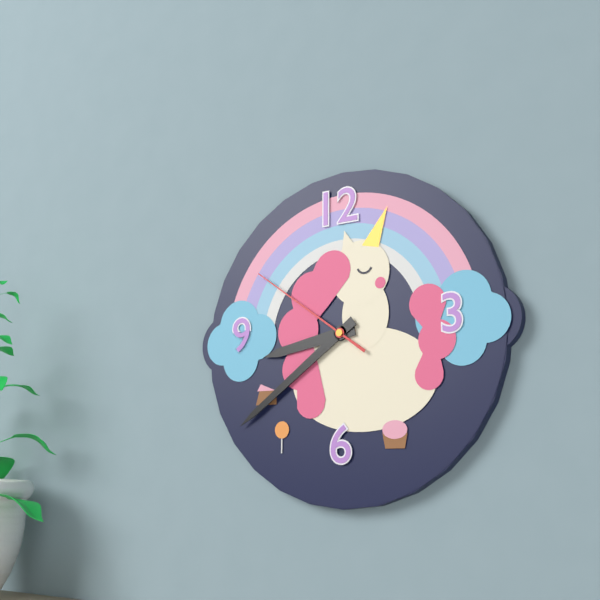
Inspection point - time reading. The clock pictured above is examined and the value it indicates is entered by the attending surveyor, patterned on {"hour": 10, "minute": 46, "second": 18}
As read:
{"hour": 8, "minute": 39, "second": 51}
